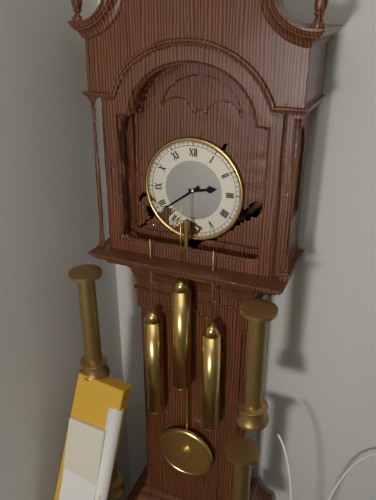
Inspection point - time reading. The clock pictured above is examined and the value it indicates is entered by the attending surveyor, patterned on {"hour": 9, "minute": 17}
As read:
{"hour": 2, "minute": 39}
